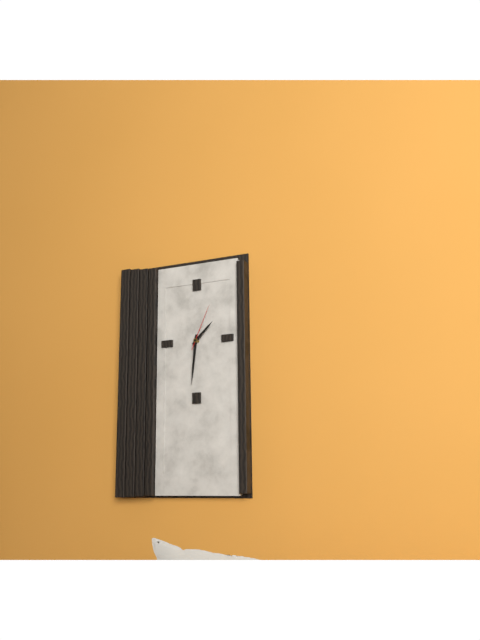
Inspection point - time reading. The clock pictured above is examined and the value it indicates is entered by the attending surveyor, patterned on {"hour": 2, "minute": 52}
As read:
{"hour": 1, "minute": 31}
